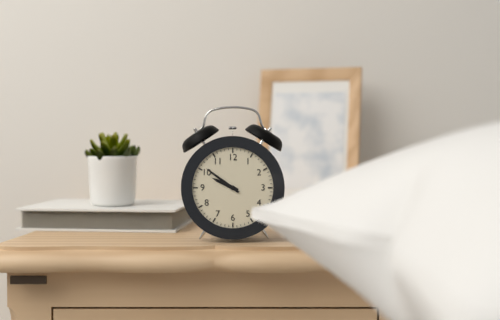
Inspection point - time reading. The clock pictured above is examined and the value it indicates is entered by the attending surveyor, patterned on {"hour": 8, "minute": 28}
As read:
{"hour": 9, "minute": 51}
